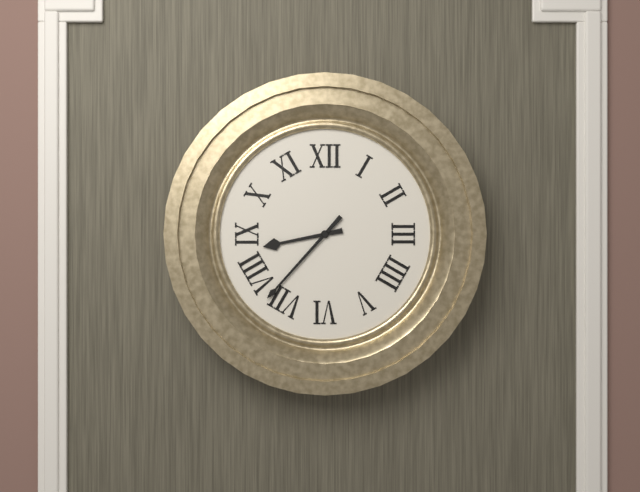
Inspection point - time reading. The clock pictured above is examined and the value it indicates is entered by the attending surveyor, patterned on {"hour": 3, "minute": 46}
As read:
{"hour": 8, "minute": 37}
